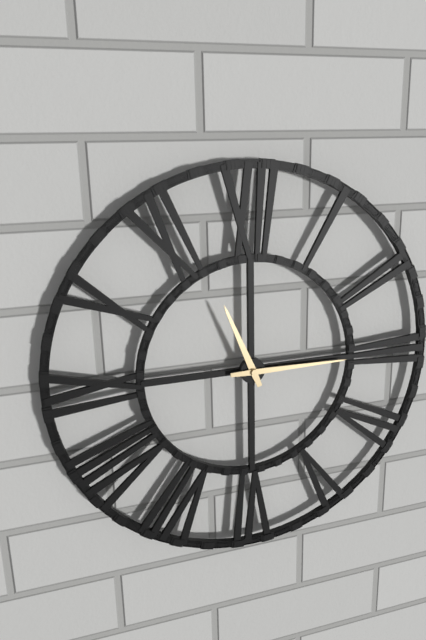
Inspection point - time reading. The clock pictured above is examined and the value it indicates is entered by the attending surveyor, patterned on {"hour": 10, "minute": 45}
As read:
{"hour": 11, "minute": 15}
